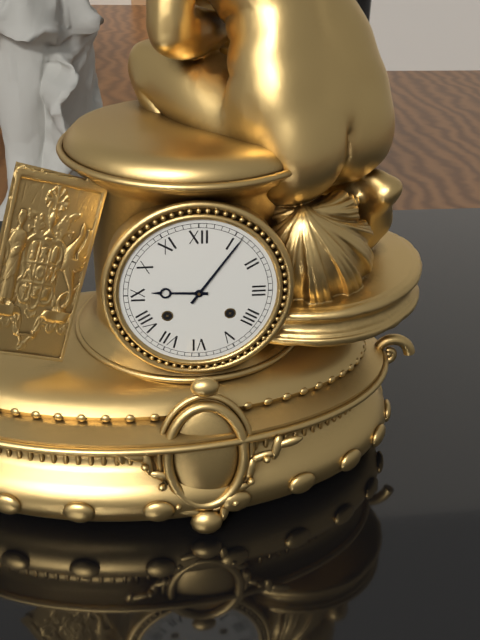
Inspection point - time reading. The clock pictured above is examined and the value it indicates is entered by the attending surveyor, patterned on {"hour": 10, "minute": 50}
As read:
{"hour": 9, "minute": 6}
